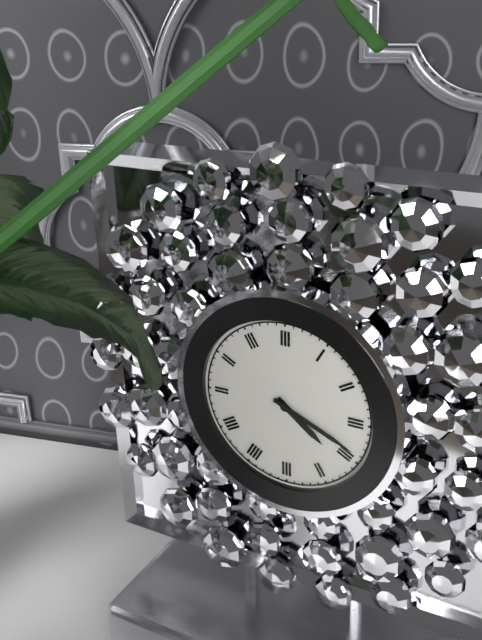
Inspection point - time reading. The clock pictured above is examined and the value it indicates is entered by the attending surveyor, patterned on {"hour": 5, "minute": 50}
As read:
{"hour": 4, "minute": 19}
